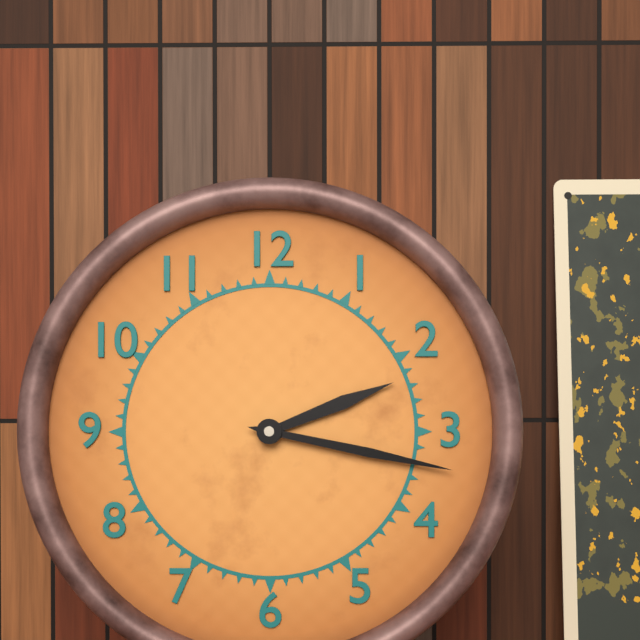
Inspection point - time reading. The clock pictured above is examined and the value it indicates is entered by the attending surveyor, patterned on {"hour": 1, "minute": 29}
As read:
{"hour": 2, "minute": 17}
